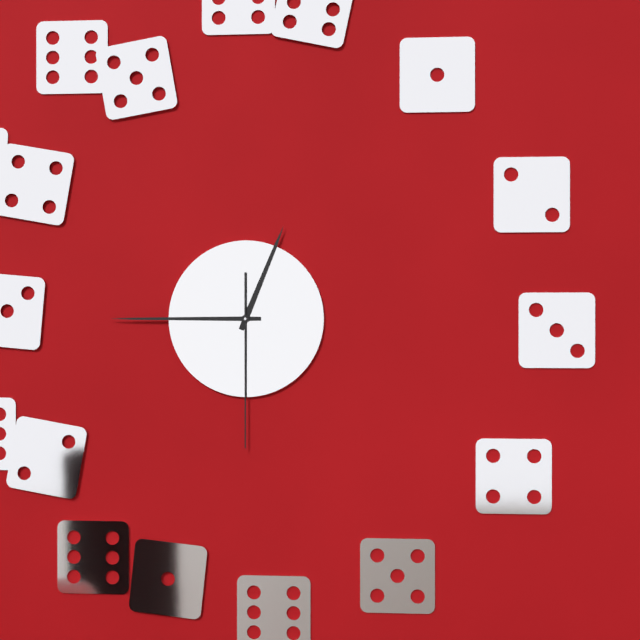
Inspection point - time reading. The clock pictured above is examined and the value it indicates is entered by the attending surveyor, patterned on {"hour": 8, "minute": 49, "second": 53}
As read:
{"hour": 12, "minute": 45, "second": 30}
